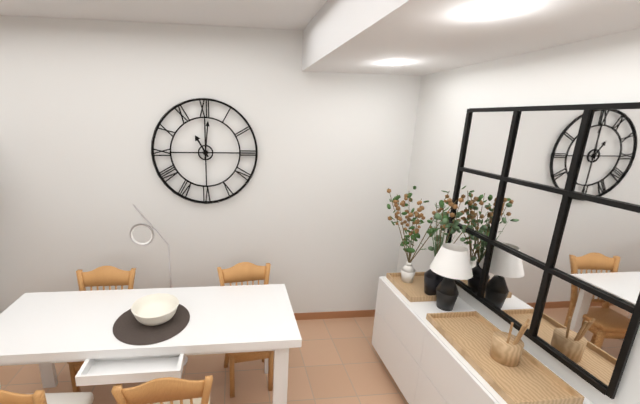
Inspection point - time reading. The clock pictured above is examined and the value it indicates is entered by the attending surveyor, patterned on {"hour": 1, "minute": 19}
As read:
{"hour": 11, "minute": 1}
